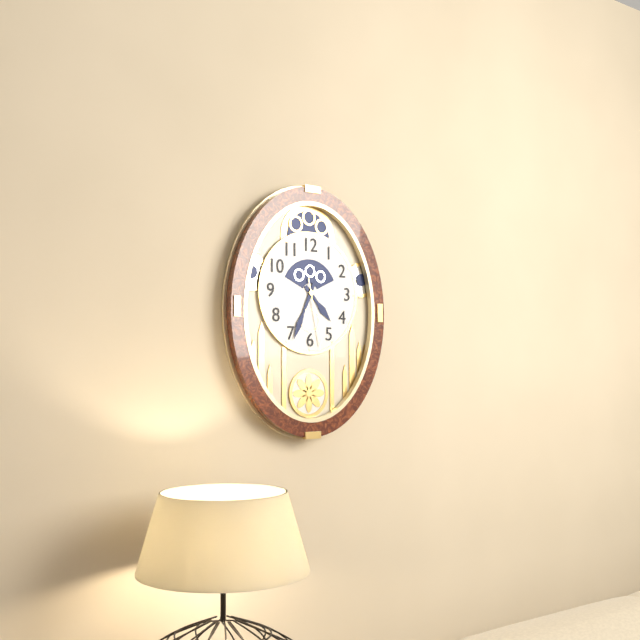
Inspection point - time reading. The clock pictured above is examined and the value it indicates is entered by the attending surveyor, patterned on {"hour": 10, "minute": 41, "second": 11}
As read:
{"hour": 4, "minute": 34, "second": 28}
